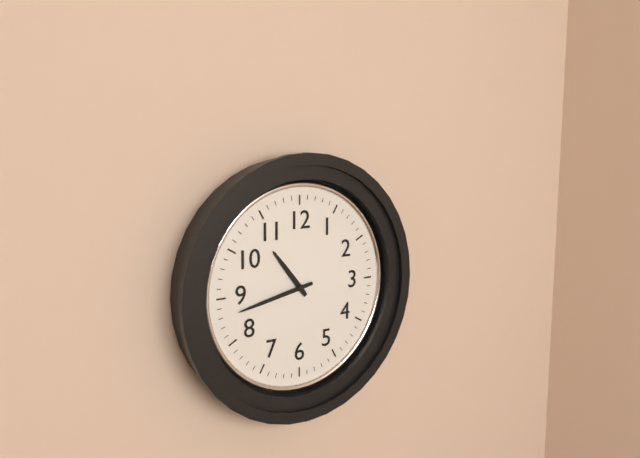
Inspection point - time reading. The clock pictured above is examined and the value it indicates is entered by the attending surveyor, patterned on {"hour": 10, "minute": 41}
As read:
{"hour": 10, "minute": 43}
